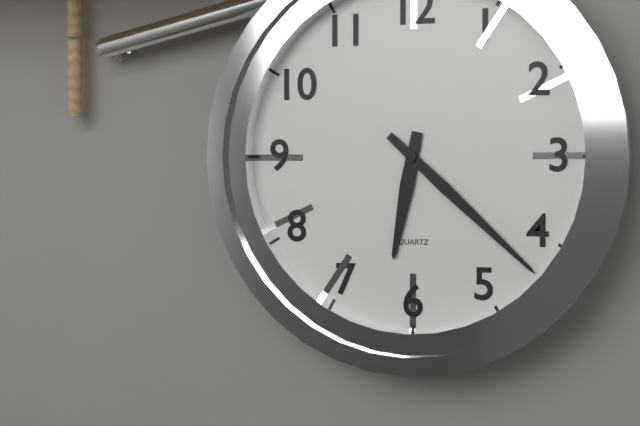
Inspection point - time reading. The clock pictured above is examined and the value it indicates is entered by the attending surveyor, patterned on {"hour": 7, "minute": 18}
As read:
{"hour": 6, "minute": 22}
